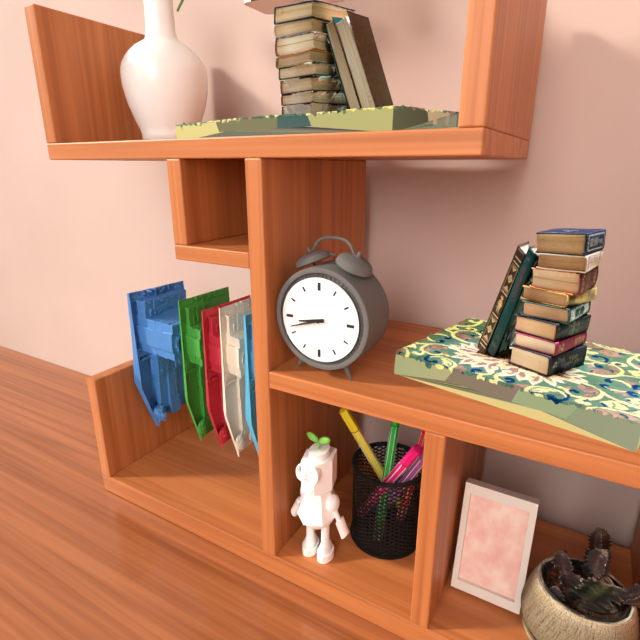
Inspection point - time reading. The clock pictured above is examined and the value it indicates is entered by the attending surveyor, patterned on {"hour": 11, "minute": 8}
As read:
{"hour": 8, "minute": 42}
